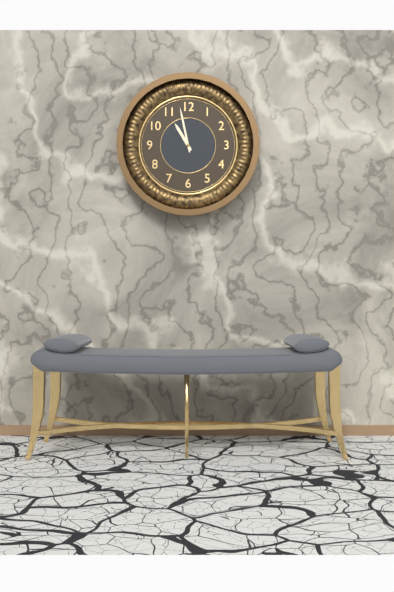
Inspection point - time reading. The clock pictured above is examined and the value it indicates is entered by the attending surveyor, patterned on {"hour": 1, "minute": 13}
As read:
{"hour": 10, "minute": 58}
